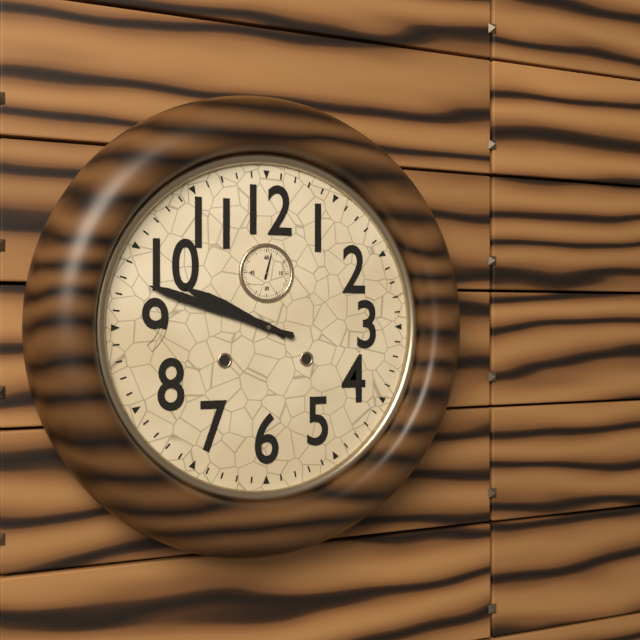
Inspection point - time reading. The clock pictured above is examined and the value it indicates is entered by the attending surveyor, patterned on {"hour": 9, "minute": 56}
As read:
{"hour": 9, "minute": 48}
